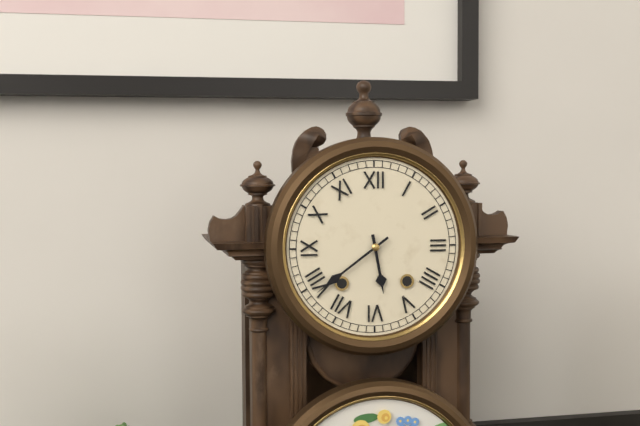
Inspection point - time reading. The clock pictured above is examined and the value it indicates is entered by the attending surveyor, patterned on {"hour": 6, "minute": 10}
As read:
{"hour": 5, "minute": 39}
